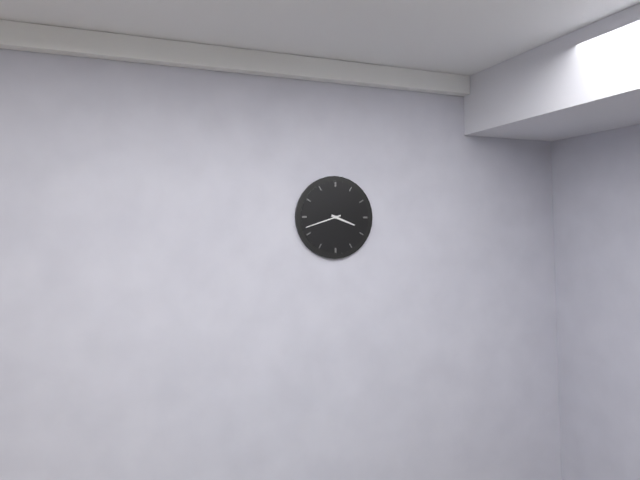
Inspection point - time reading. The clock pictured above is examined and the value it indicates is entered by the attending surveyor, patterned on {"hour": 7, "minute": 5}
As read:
{"hour": 3, "minute": 42}
